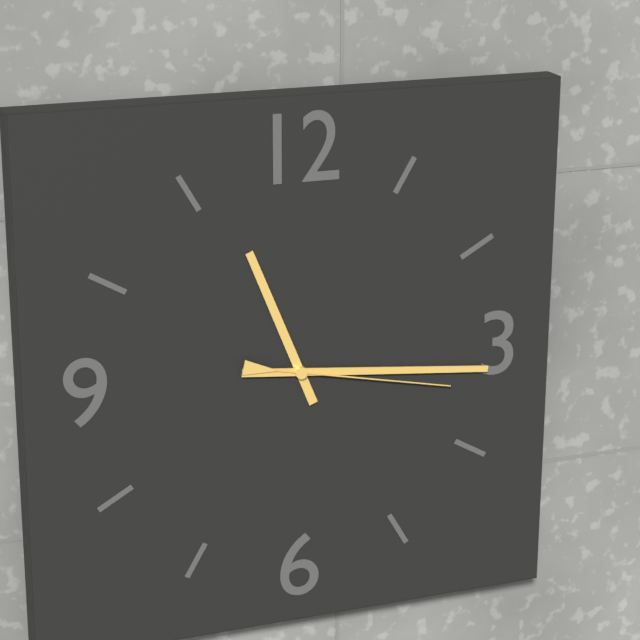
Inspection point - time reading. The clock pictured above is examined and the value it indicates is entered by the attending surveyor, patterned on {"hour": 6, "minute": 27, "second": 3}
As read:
{"hour": 11, "minute": 16, "second": 17}
